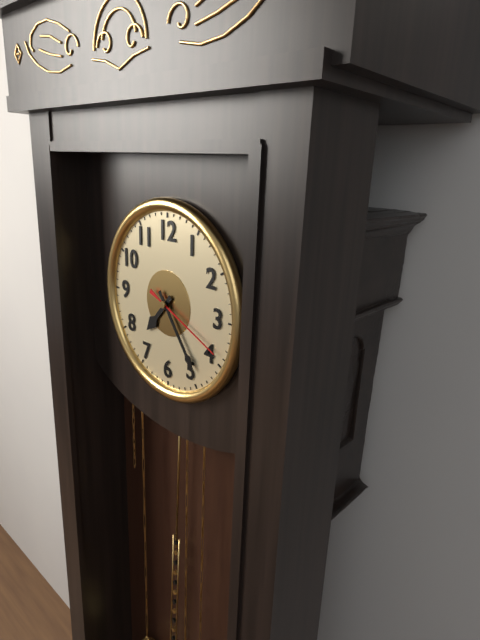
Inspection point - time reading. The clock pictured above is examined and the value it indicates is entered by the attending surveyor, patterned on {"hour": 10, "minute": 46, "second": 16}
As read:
{"hour": 7, "minute": 24, "second": 19}
